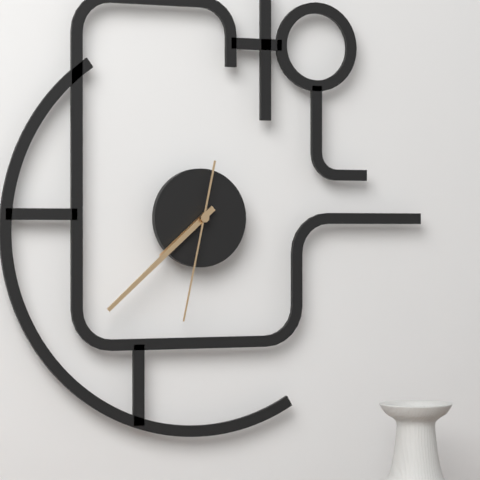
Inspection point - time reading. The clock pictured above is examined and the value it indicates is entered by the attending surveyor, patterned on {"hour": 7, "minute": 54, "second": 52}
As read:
{"hour": 7, "minute": 38, "second": 32}
